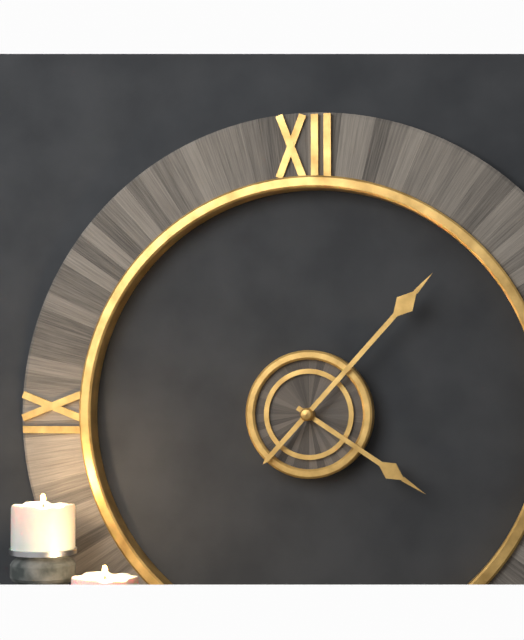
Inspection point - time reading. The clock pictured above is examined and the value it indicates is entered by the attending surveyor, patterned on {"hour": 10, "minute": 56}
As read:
{"hour": 4, "minute": 7}
